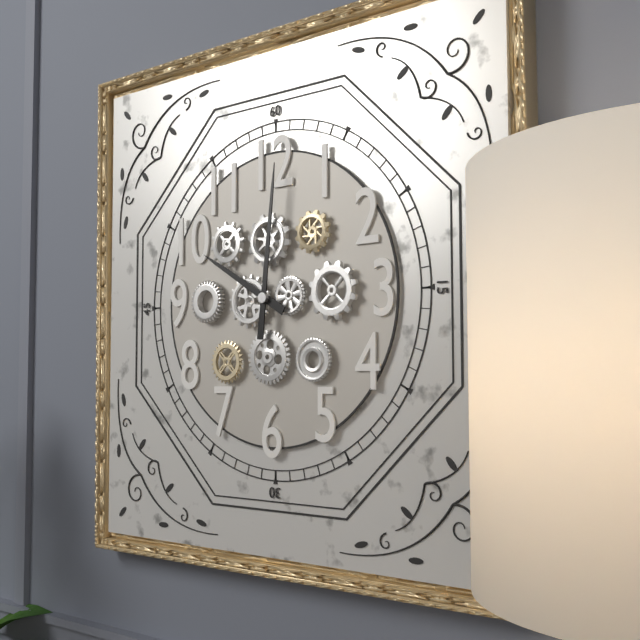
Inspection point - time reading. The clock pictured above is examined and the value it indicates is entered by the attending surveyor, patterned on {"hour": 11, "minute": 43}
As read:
{"hour": 10, "minute": 1}
